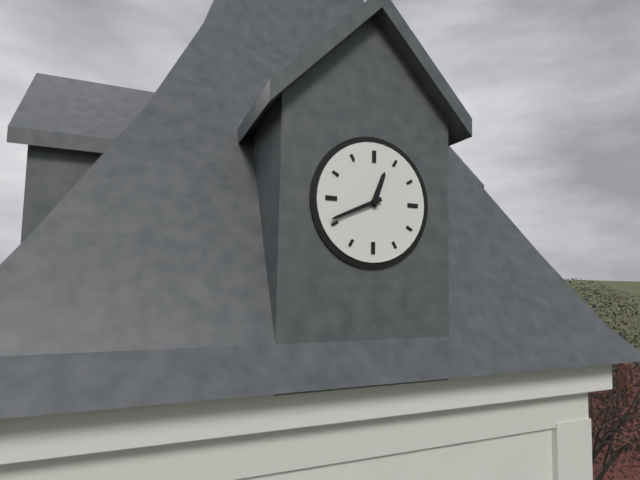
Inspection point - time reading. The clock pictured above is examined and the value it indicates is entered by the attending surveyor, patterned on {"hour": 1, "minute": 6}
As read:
{"hour": 12, "minute": 41}
